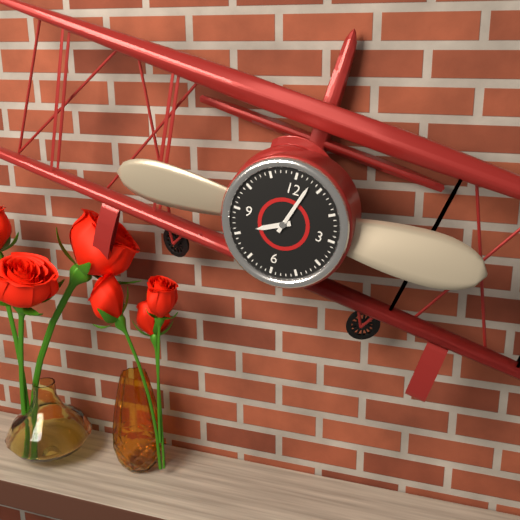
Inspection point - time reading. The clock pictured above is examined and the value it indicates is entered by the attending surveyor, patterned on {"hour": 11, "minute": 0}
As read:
{"hour": 8, "minute": 3}
